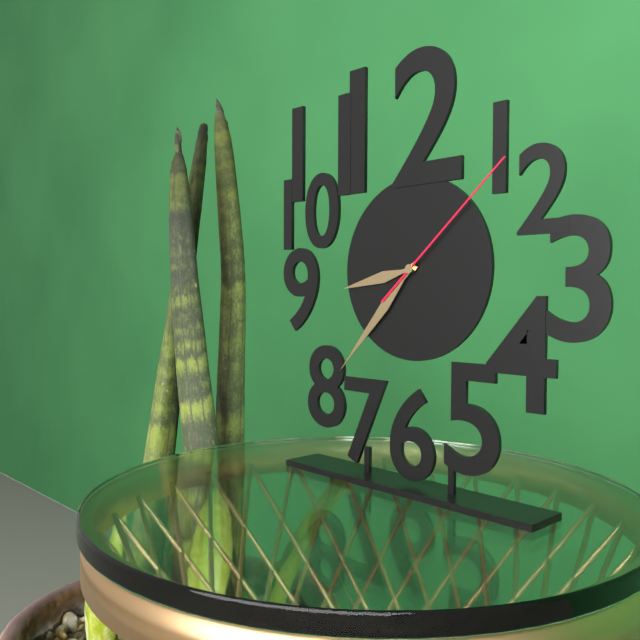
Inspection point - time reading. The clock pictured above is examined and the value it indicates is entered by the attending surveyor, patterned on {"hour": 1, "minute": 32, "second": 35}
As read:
{"hour": 8, "minute": 37, "second": 8}
